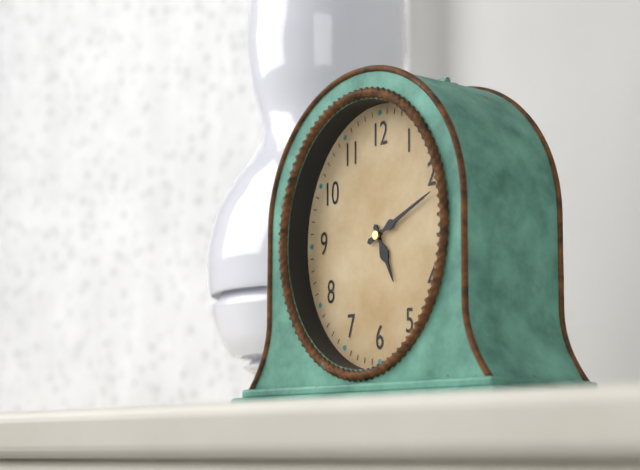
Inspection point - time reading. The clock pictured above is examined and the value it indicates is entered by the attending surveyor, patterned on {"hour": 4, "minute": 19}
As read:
{"hour": 5, "minute": 11}
